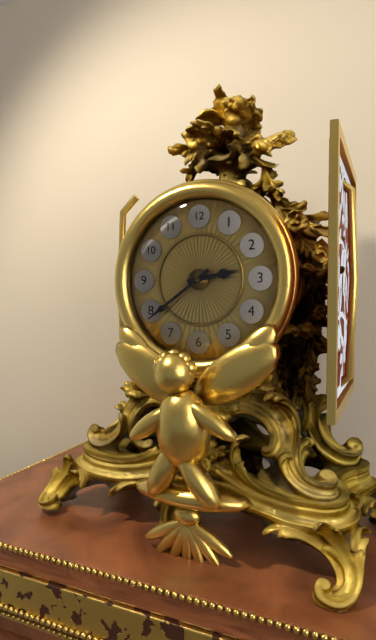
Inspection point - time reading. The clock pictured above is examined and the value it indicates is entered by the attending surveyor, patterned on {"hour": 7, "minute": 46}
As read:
{"hour": 2, "minute": 39}
